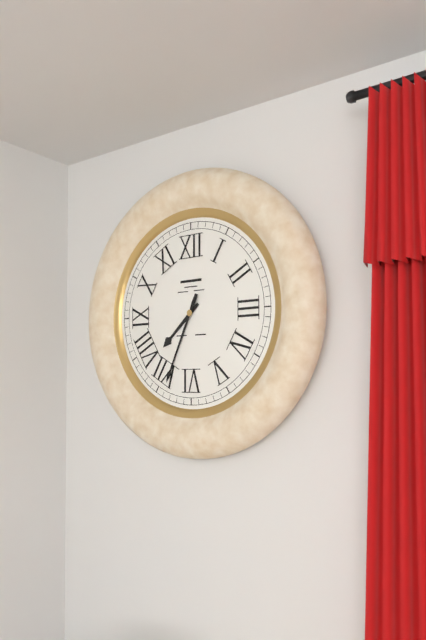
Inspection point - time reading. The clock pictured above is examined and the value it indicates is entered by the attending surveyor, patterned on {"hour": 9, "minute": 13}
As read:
{"hour": 7, "minute": 34}
